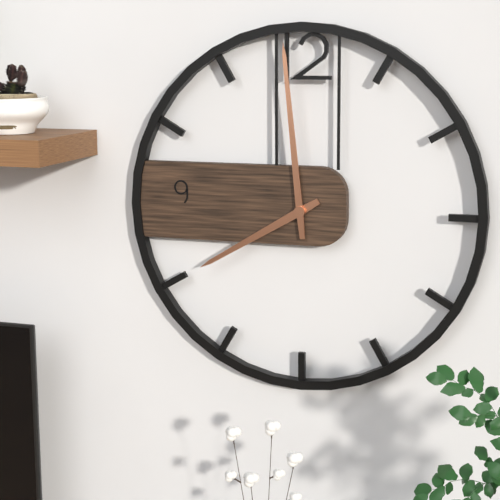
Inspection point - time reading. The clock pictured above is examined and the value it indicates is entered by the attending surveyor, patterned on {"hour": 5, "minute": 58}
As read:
{"hour": 7, "minute": 59}
